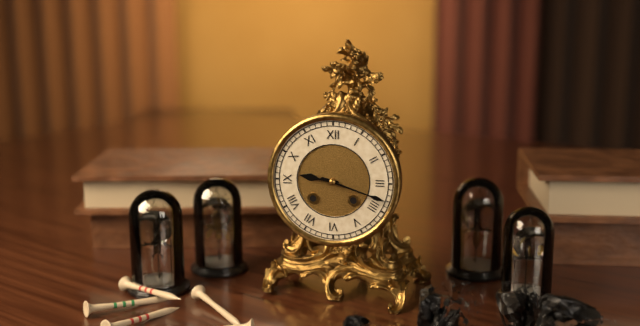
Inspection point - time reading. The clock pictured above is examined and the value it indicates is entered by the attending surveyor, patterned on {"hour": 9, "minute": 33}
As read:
{"hour": 9, "minute": 18}
